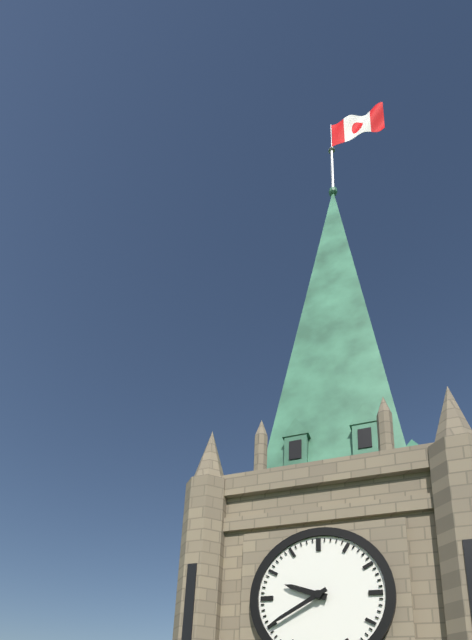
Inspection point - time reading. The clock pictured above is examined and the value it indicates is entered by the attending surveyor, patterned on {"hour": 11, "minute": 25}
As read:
{"hour": 9, "minute": 40}
